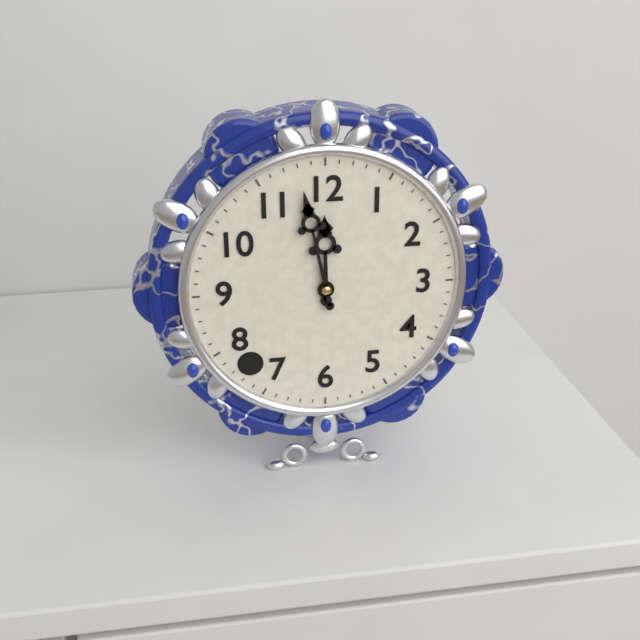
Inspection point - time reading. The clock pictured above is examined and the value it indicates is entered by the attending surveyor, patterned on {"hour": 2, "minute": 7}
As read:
{"hour": 11, "minute": 58}
